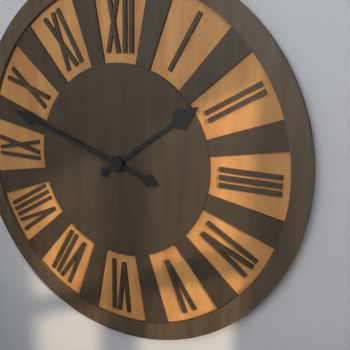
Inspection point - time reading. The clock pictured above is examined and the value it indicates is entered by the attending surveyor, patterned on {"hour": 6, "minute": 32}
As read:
{"hour": 1, "minute": 48}
